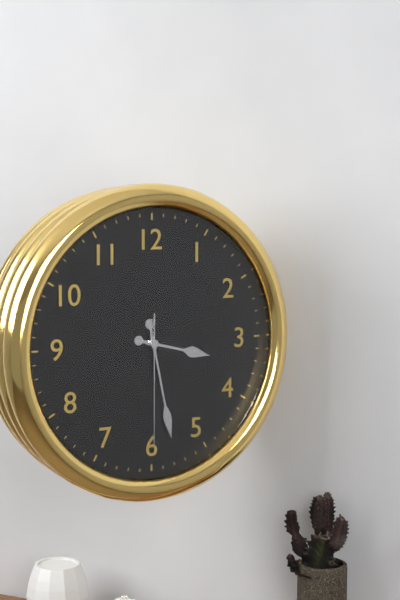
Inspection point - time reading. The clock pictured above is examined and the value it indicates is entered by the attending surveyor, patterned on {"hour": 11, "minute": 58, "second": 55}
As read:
{"hour": 3, "minute": 28, "second": 30}
